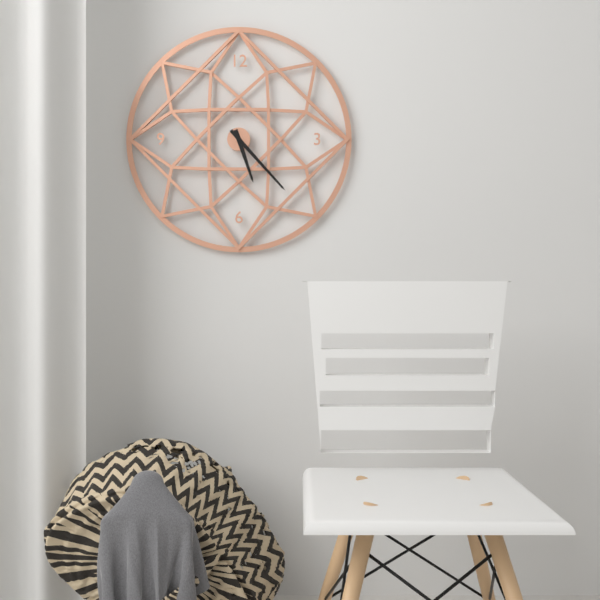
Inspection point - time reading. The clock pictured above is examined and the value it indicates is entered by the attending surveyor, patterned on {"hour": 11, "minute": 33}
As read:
{"hour": 5, "minute": 23}
